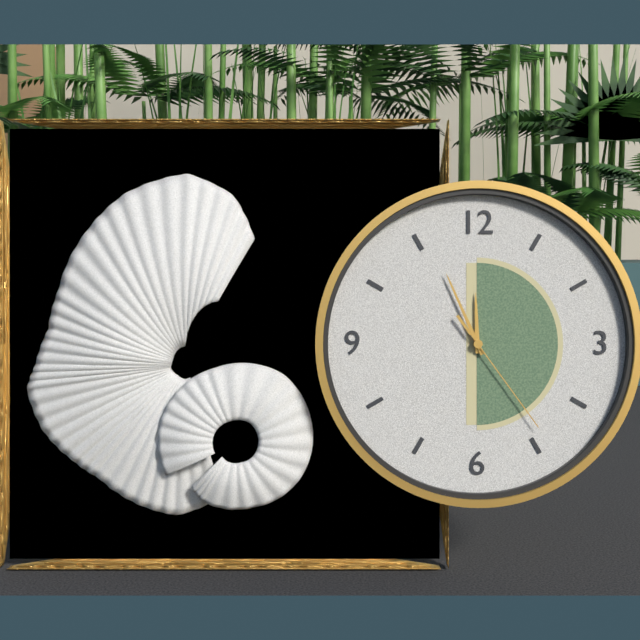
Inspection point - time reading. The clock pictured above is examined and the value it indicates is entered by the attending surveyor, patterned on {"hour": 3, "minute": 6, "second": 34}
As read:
{"hour": 11, "minute": 56, "second": 24}
